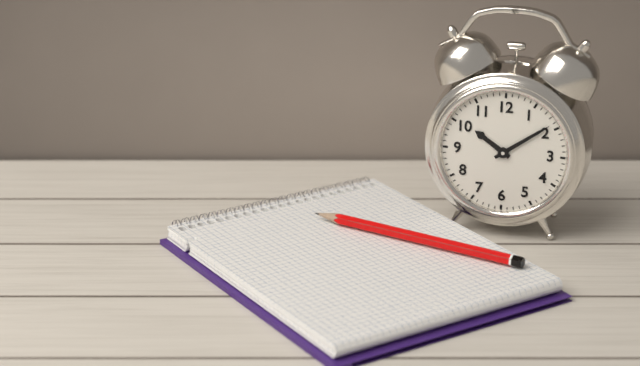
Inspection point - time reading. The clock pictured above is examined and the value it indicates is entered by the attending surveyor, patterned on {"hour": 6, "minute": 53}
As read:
{"hour": 10, "minute": 9}
